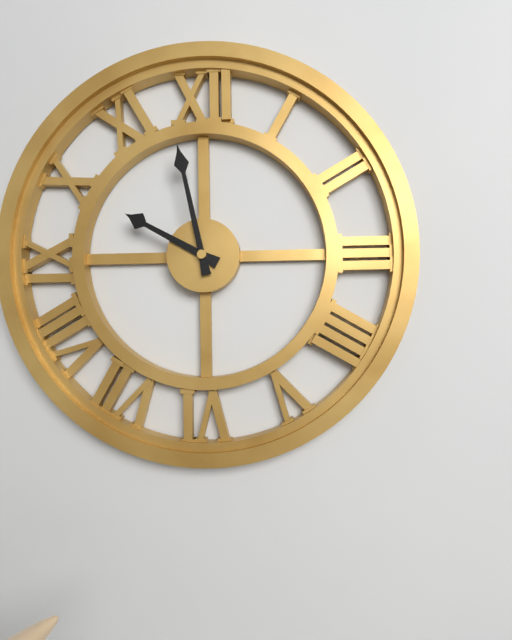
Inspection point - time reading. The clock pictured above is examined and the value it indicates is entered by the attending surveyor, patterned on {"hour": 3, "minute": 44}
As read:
{"hour": 9, "minute": 58}
